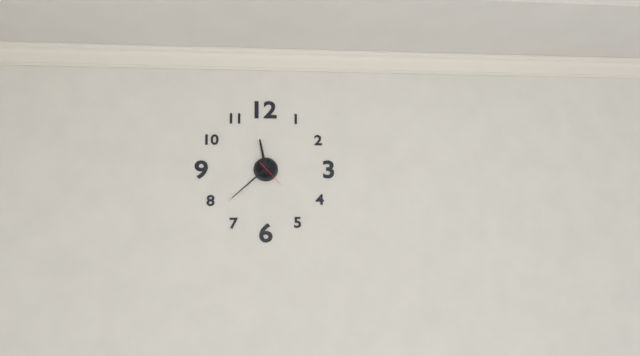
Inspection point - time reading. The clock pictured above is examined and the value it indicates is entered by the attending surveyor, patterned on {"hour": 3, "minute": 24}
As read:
{"hour": 11, "minute": 38}
